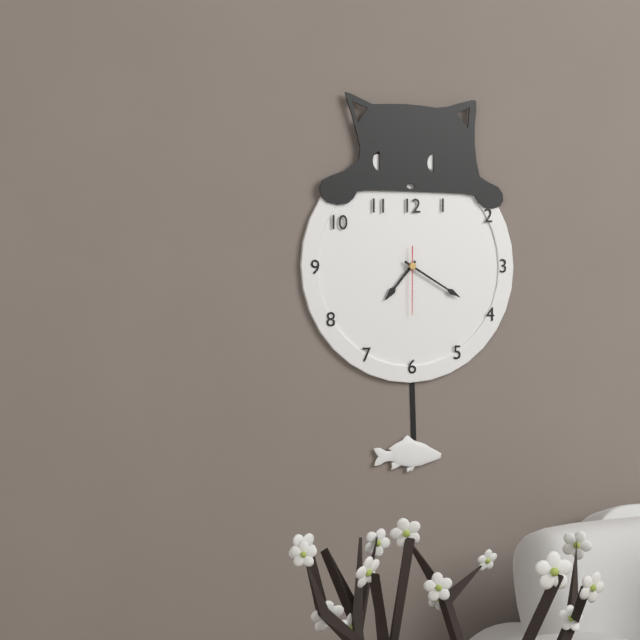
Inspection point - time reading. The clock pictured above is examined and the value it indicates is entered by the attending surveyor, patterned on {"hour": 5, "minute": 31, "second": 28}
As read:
{"hour": 7, "minute": 20, "second": 30}
